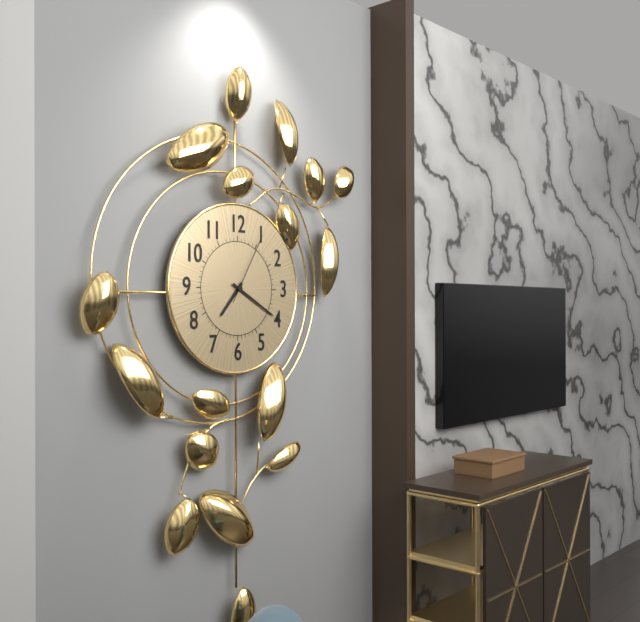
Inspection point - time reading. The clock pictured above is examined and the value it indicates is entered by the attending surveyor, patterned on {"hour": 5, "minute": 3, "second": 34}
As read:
{"hour": 7, "minute": 20, "second": 5}
